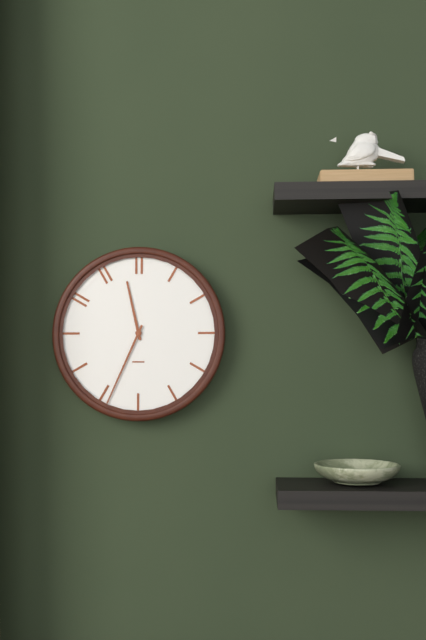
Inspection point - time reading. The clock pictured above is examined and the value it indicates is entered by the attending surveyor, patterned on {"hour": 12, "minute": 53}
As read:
{"hour": 11, "minute": 34}
